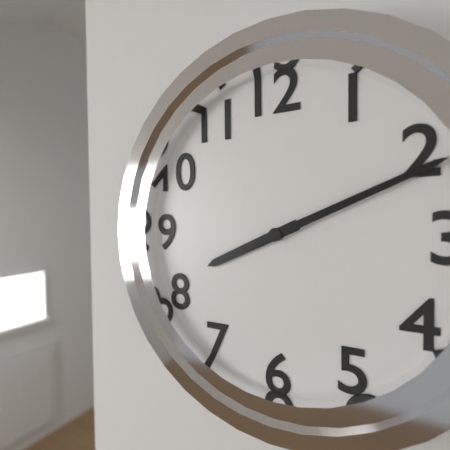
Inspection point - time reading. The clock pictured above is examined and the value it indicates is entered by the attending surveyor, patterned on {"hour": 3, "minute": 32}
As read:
{"hour": 8, "minute": 11}
